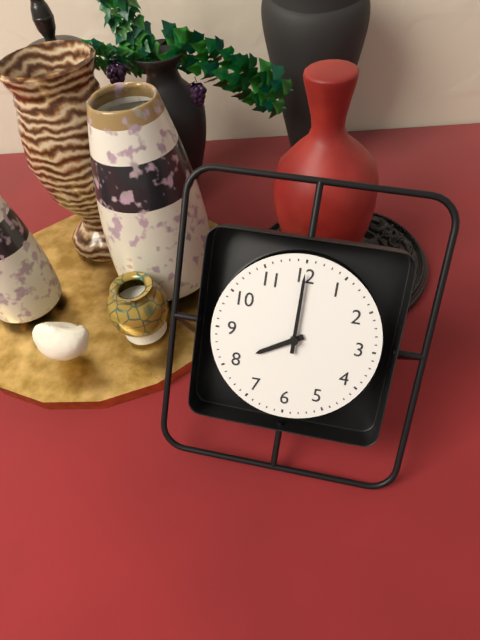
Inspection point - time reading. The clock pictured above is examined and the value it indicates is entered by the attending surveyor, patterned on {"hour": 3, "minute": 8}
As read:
{"hour": 8, "minute": 0}
